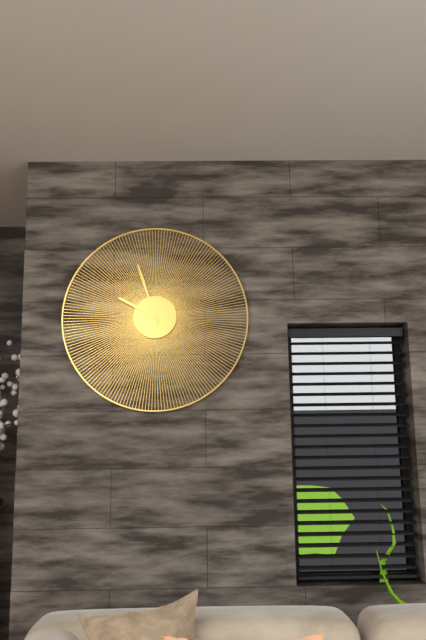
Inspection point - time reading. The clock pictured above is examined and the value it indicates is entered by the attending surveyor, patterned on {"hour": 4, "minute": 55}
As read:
{"hour": 9, "minute": 57}
